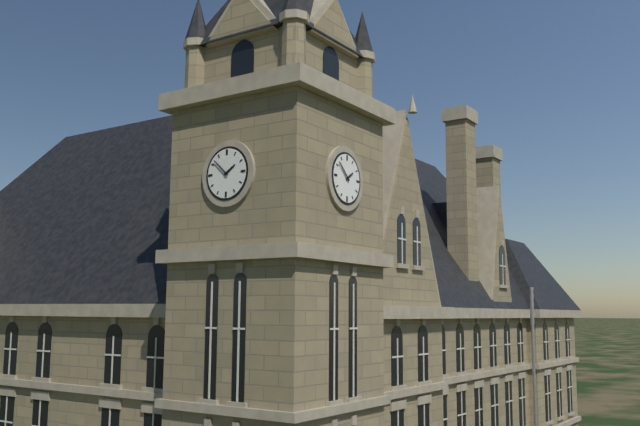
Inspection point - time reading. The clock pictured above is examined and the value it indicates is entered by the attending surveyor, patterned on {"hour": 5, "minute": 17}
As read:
{"hour": 1, "minute": 52}
